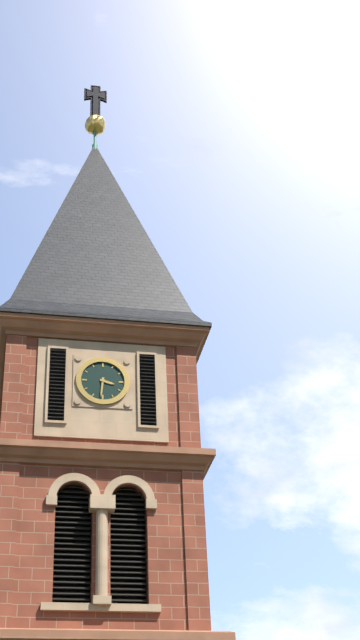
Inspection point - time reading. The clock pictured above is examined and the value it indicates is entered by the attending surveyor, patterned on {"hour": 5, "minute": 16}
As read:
{"hour": 3, "minute": 31}
